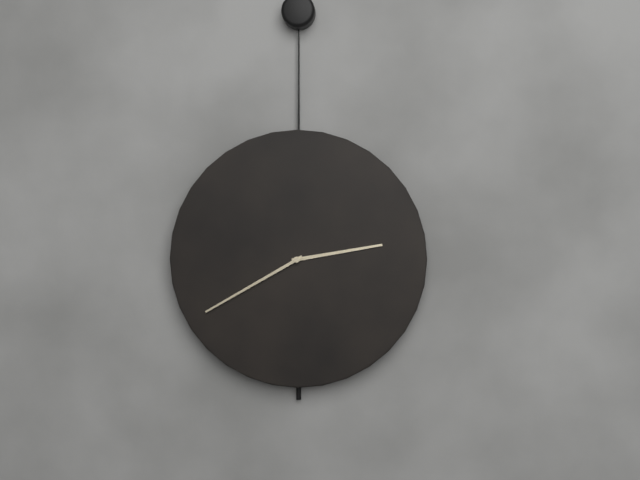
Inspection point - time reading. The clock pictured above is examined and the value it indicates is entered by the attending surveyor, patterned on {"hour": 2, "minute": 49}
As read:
{"hour": 2, "minute": 40}
